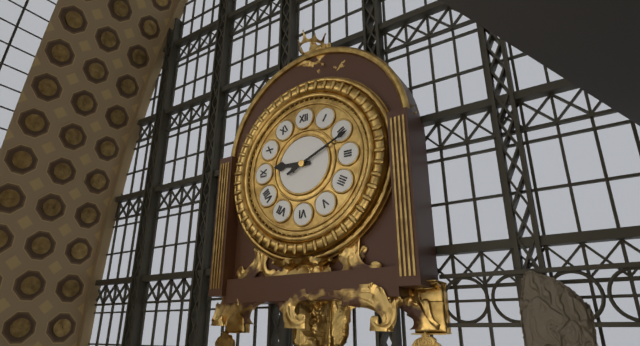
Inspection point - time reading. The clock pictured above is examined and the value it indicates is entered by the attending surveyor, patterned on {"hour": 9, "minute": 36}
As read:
{"hour": 9, "minute": 11}
